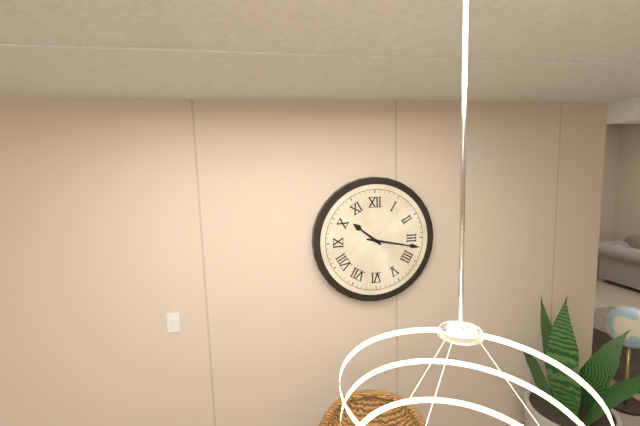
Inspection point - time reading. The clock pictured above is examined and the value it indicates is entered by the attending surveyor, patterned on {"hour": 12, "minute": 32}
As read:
{"hour": 10, "minute": 17}
